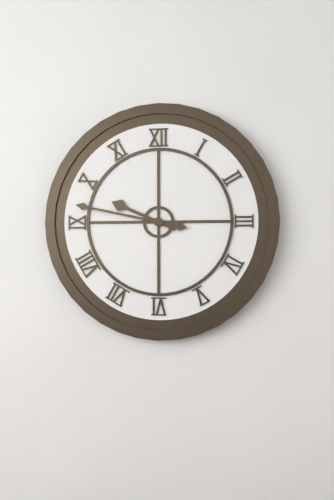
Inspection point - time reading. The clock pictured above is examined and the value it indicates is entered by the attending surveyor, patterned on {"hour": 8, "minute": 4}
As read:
{"hour": 9, "minute": 47}
